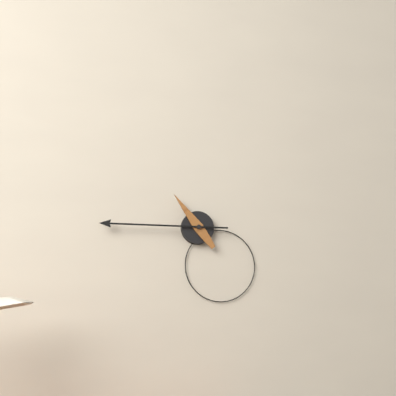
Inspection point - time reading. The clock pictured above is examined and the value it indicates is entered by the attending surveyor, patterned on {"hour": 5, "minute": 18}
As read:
{"hour": 10, "minute": 45}
